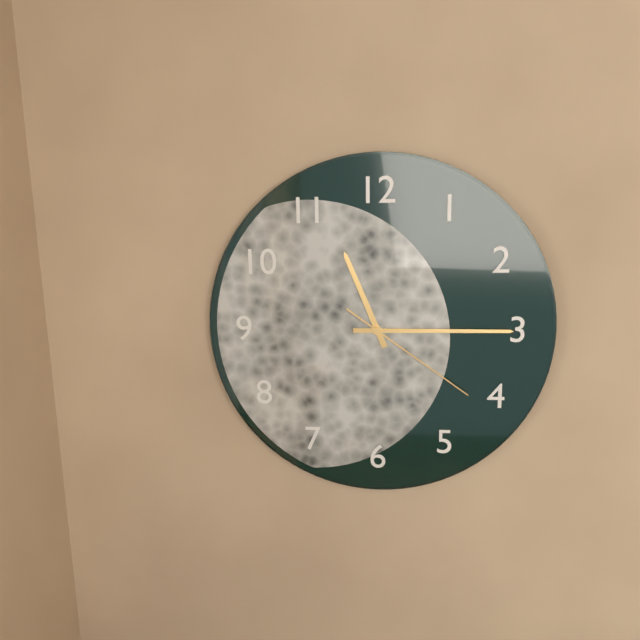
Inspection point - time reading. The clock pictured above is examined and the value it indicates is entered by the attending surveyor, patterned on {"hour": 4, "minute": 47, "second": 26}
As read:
{"hour": 11, "minute": 15, "second": 21}
